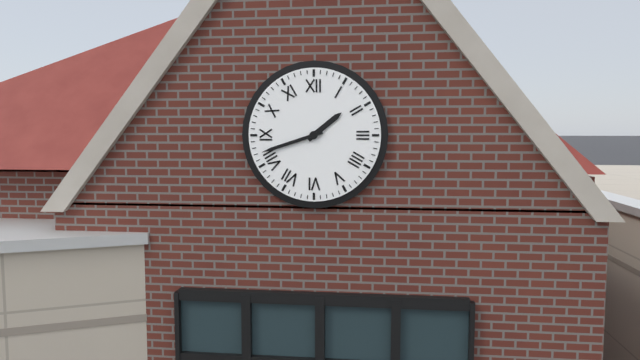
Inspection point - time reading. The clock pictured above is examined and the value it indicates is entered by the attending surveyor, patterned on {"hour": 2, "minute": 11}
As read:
{"hour": 1, "minute": 42}
